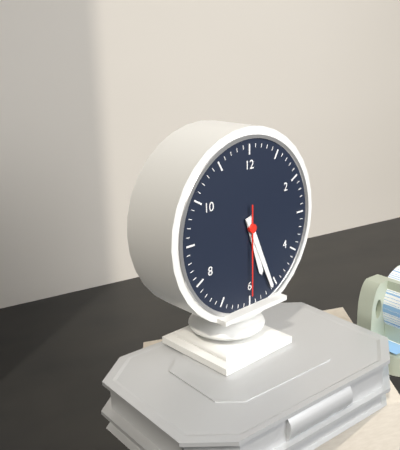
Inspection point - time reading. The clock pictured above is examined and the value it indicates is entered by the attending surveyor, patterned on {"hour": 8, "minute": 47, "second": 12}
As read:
{"hour": 5, "minute": 26, "second": 30}
